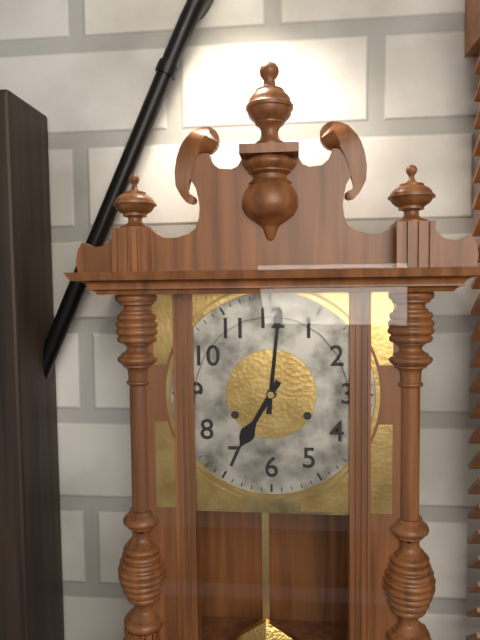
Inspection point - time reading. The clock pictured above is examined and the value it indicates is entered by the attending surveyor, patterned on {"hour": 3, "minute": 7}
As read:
{"hour": 7, "minute": 1}
